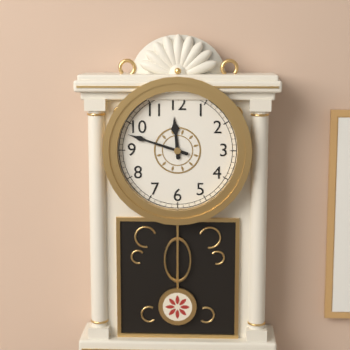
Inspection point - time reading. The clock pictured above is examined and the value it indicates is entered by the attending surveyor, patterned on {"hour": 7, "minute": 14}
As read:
{"hour": 11, "minute": 48}
